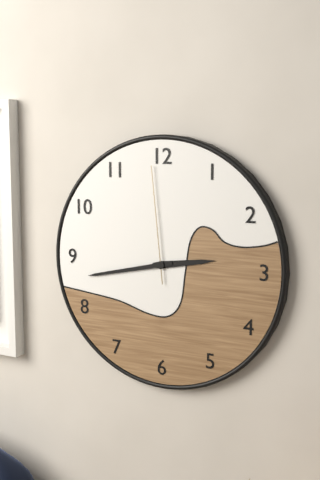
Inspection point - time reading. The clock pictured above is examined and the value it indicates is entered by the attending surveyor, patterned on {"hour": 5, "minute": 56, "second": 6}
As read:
{"hour": 2, "minute": 43, "second": 59}
